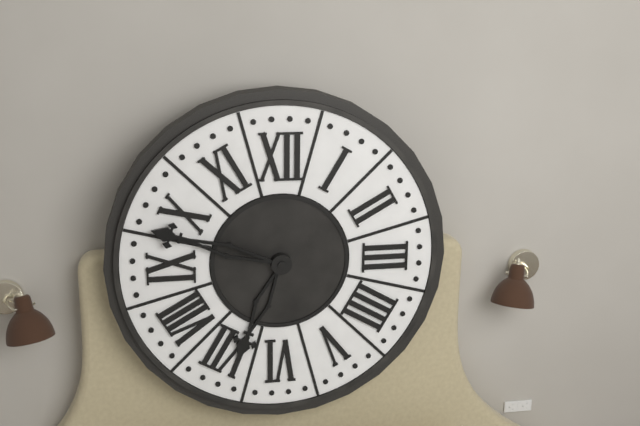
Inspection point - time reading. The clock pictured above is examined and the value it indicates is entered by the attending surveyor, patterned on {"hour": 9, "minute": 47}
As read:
{"hour": 6, "minute": 48}
